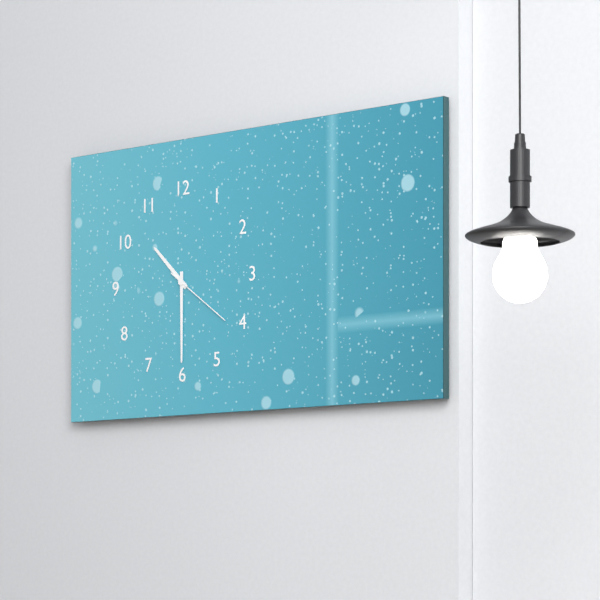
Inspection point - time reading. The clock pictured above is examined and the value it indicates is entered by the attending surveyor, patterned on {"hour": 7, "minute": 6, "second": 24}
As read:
{"hour": 10, "minute": 30, "second": 21}
